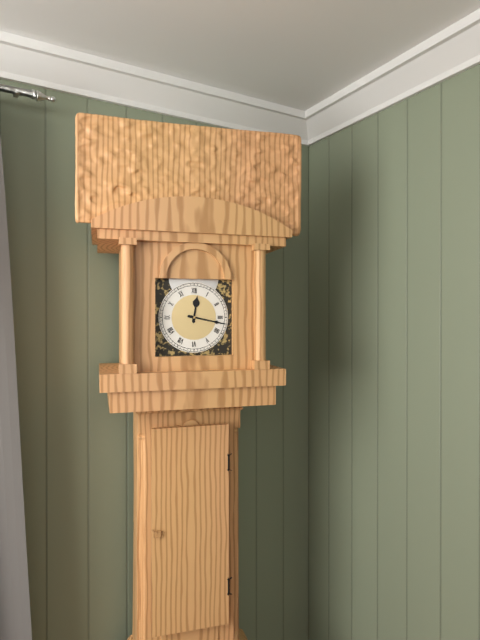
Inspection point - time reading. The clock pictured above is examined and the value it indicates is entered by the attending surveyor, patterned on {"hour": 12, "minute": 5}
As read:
{"hour": 12, "minute": 17}
